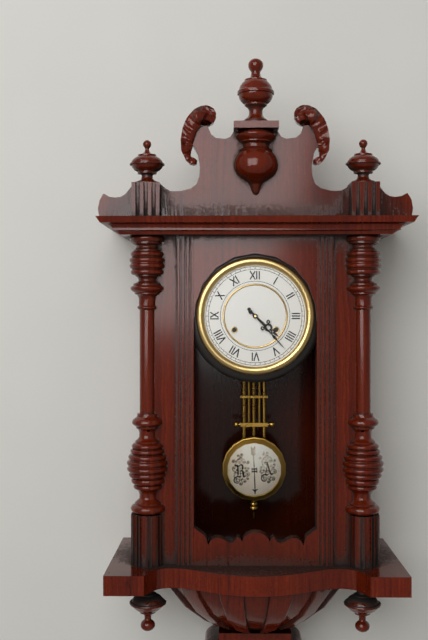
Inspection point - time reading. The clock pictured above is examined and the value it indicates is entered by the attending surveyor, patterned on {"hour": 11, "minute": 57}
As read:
{"hour": 4, "minute": 23}
